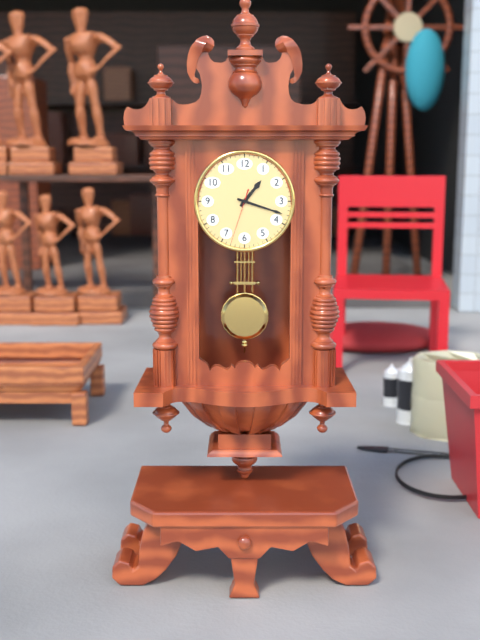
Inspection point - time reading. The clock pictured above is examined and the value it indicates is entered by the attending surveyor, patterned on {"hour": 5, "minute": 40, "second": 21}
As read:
{"hour": 1, "minute": 18, "second": 33}
